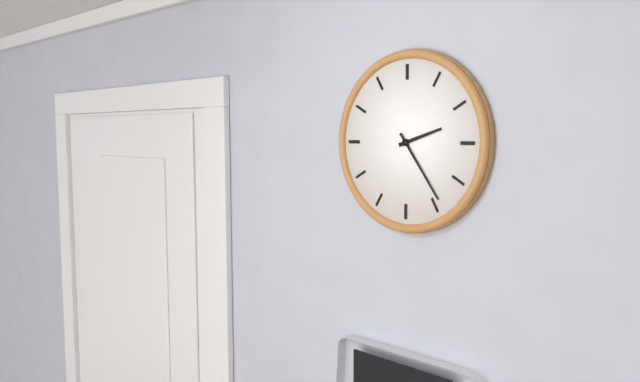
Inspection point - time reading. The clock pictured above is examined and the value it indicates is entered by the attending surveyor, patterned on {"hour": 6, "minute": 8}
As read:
{"hour": 2, "minute": 24}
